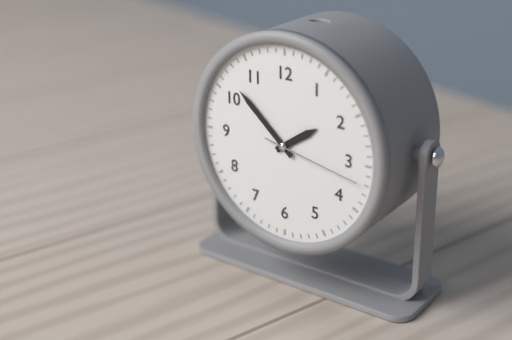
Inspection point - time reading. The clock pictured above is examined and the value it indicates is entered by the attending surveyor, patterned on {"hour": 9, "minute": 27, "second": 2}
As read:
{"hour": 1, "minute": 52, "second": 17}
